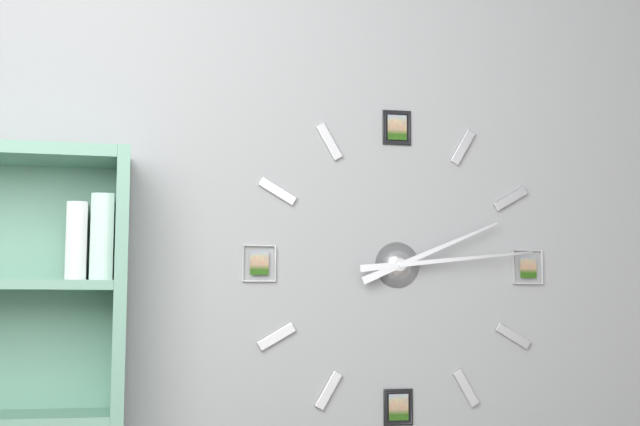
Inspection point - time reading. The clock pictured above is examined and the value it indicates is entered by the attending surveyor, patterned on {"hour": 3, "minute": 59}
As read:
{"hour": 2, "minute": 14}
